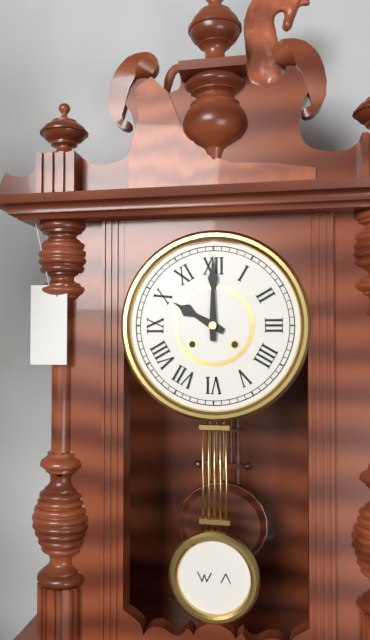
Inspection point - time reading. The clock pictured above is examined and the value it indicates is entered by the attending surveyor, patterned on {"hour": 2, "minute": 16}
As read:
{"hour": 10, "minute": 0}
